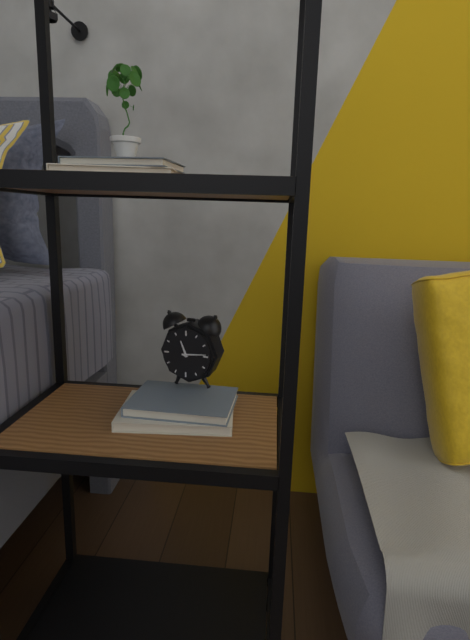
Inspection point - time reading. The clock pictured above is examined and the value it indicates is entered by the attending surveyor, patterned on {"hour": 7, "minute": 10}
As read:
{"hour": 11, "minute": 14}
